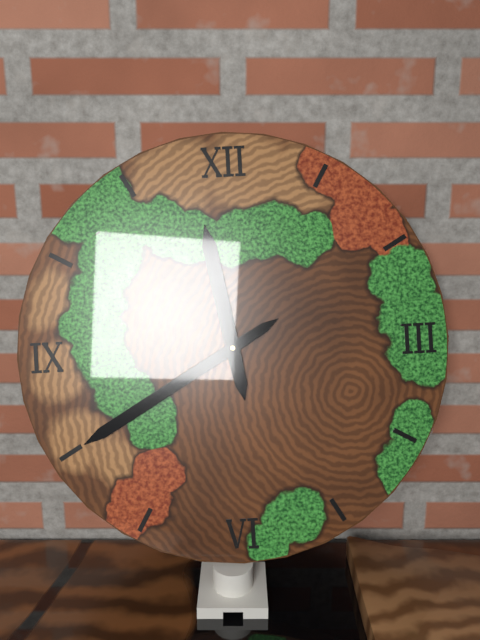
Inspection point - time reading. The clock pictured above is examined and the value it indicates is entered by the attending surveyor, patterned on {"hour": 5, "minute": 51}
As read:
{"hour": 11, "minute": 40}
